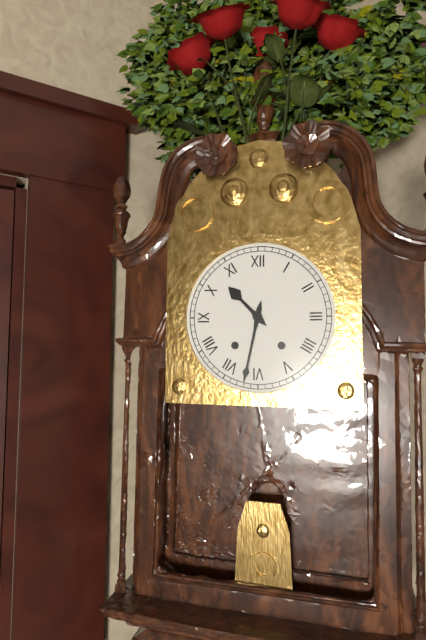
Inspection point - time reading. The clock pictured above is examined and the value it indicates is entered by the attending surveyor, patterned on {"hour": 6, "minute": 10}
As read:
{"hour": 10, "minute": 32}
